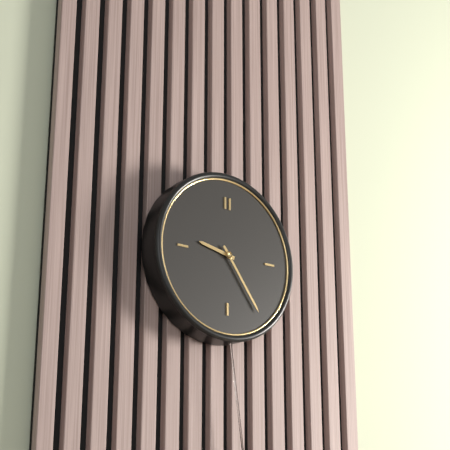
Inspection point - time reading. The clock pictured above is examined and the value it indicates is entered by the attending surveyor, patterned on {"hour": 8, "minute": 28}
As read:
{"hour": 9, "minute": 24}
